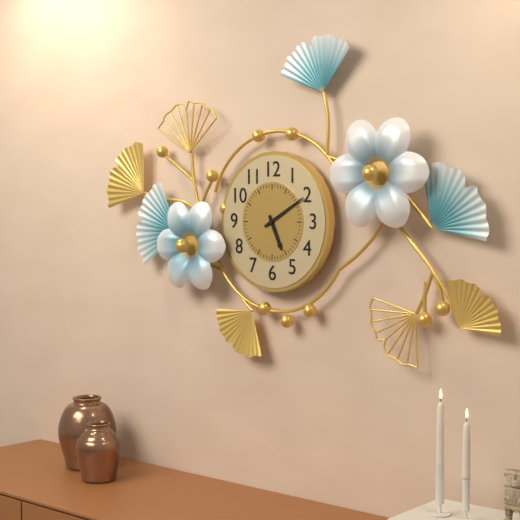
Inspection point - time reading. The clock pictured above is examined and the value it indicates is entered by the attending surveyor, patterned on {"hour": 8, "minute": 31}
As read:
{"hour": 5, "minute": 10}
